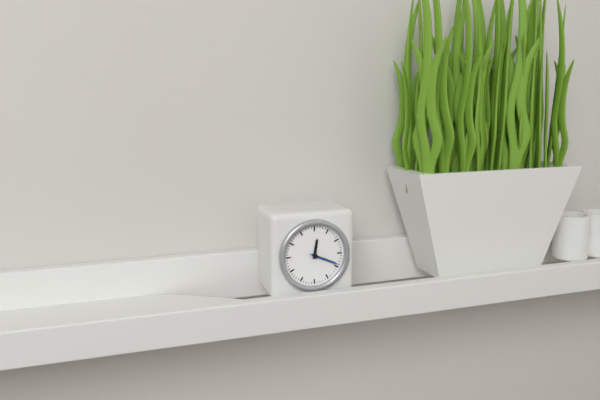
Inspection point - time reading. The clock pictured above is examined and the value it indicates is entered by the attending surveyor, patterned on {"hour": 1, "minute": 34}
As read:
{"hour": 12, "minute": 19}
